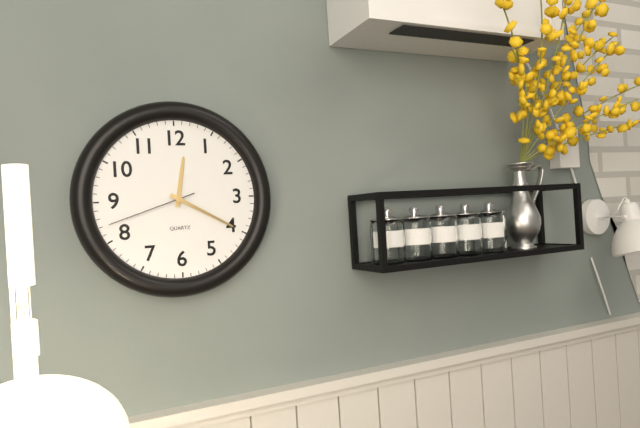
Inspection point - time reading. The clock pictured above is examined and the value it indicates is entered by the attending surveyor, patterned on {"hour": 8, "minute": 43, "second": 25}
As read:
{"hour": 12, "minute": 20, "second": 42}
